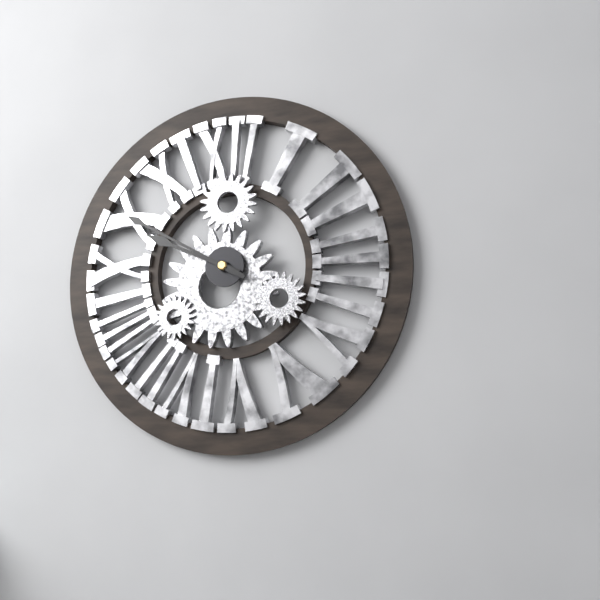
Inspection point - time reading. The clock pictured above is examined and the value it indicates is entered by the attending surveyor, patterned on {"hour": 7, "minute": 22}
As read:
{"hour": 9, "minute": 50}
